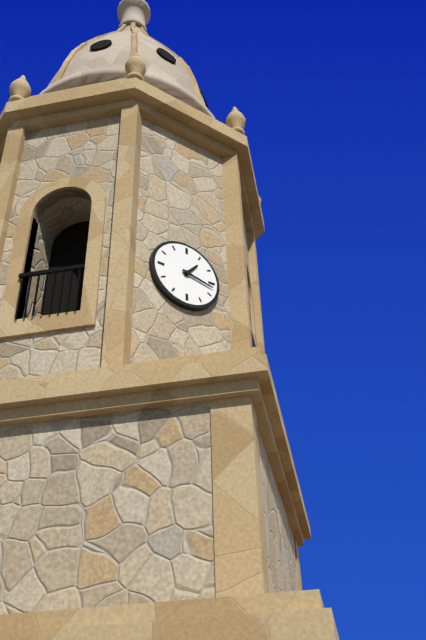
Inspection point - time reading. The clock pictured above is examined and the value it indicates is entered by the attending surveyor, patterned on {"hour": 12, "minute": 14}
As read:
{"hour": 1, "minute": 17}
